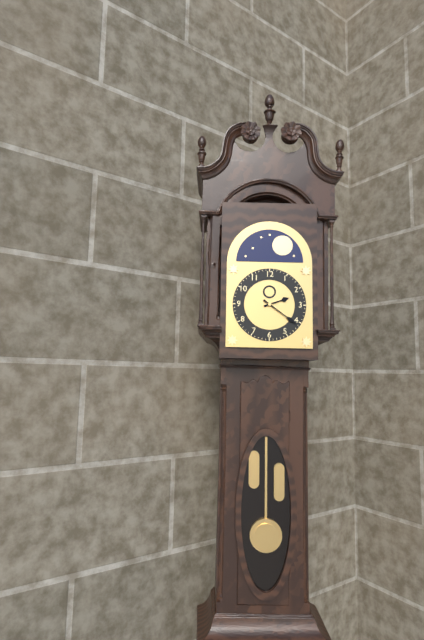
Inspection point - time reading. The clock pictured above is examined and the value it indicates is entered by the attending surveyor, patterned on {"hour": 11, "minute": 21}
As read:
{"hour": 2, "minute": 21}
